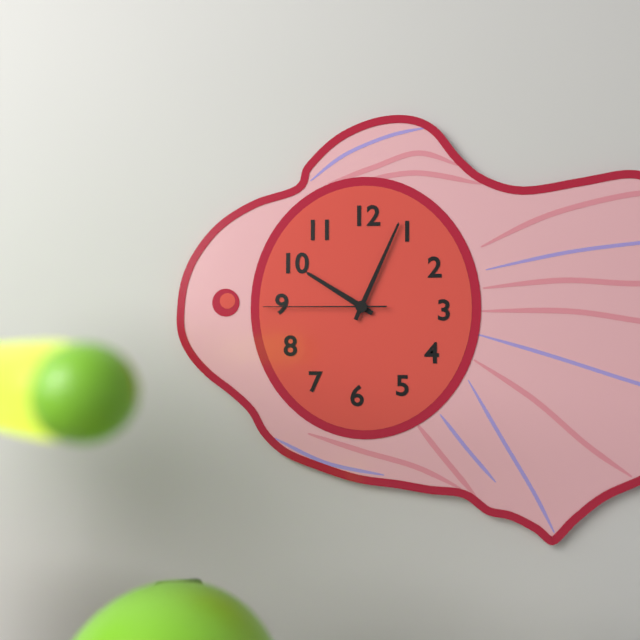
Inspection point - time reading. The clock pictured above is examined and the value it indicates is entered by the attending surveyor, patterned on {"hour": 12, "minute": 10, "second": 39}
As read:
{"hour": 10, "minute": 4, "second": 45}
